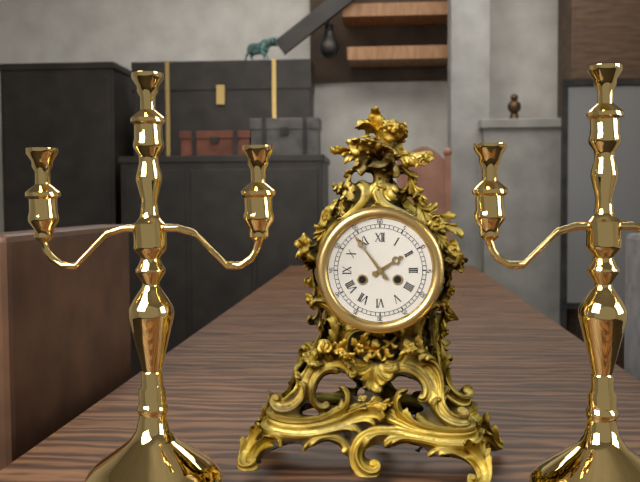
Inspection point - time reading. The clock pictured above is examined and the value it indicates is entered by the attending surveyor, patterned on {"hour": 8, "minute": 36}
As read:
{"hour": 1, "minute": 54}
